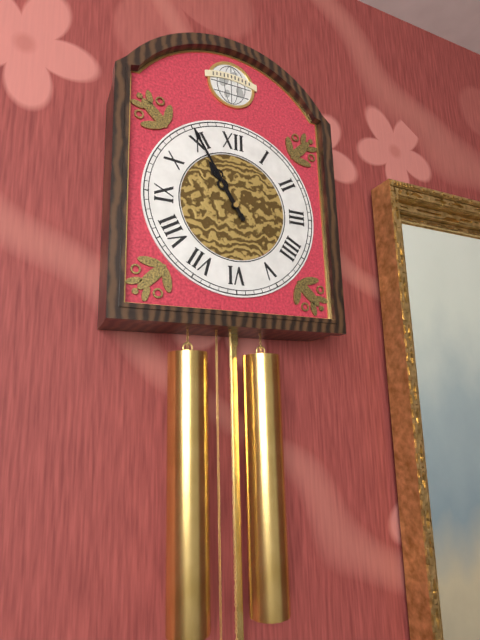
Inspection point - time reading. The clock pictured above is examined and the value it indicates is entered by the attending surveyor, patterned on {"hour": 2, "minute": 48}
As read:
{"hour": 10, "minute": 55}
